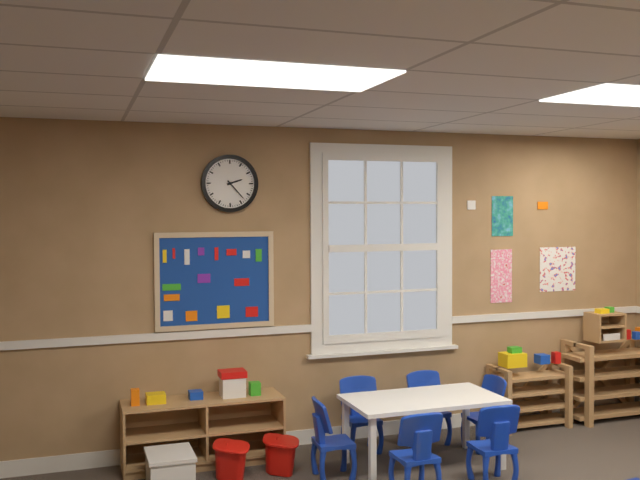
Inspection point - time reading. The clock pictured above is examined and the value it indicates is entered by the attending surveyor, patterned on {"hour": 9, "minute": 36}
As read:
{"hour": 2, "minute": 23}
